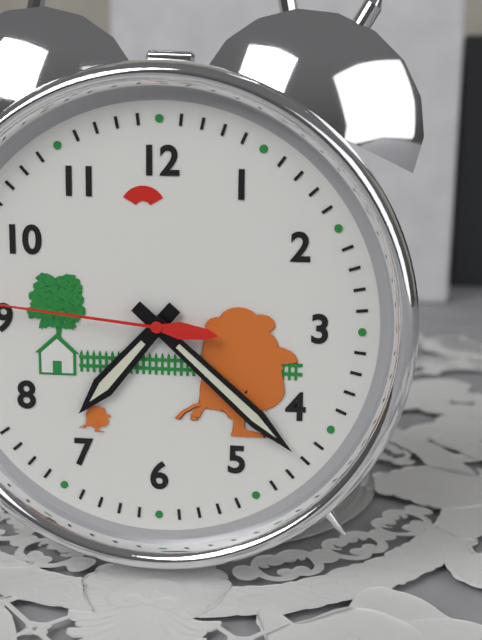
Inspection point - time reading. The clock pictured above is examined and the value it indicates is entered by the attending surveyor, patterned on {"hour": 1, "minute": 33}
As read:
{"hour": 7, "minute": 22}
